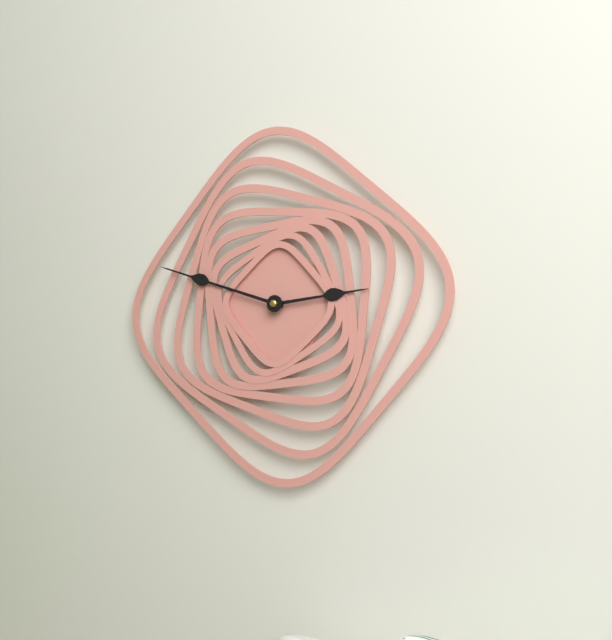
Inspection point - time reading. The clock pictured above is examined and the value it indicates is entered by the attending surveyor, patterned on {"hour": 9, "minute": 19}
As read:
{"hour": 2, "minute": 48}
